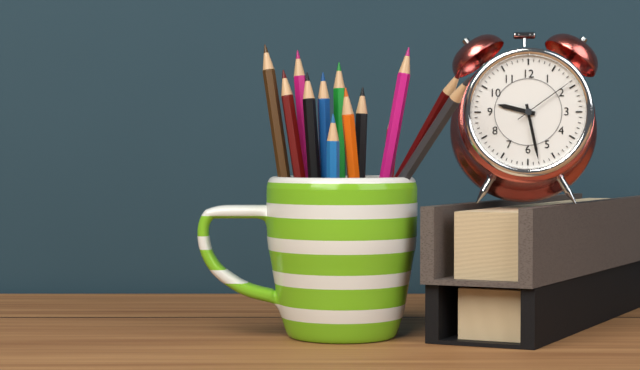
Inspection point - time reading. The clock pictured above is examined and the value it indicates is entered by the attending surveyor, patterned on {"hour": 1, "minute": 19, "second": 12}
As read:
{"hour": 9, "minute": 28, "second": 9}
